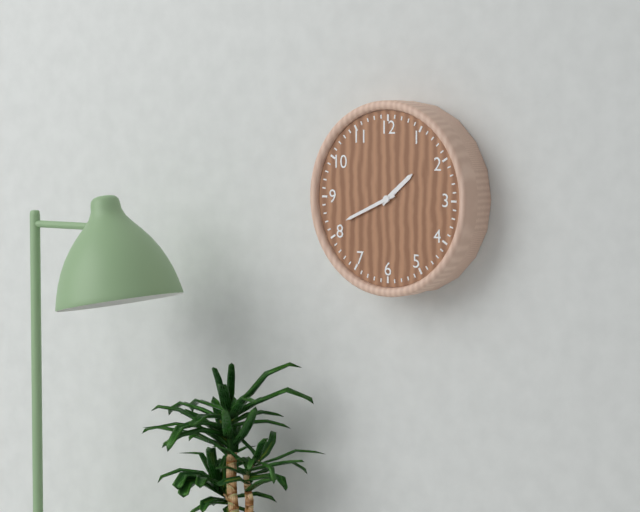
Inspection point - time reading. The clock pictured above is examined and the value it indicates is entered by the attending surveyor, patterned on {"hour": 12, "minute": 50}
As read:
{"hour": 1, "minute": 41}
